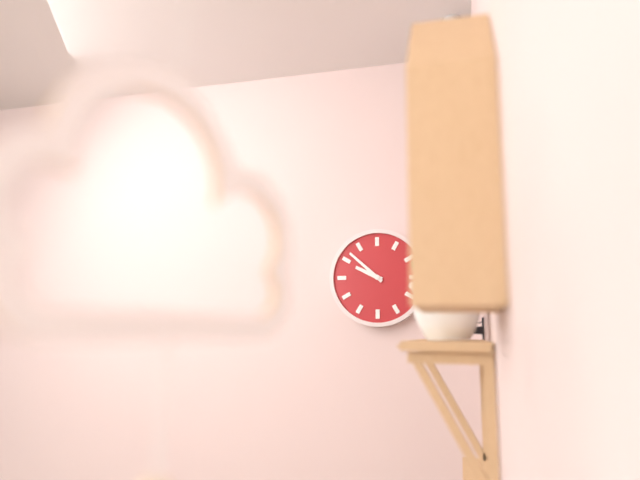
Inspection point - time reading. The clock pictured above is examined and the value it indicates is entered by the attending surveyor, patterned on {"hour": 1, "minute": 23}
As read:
{"hour": 9, "minute": 52}
